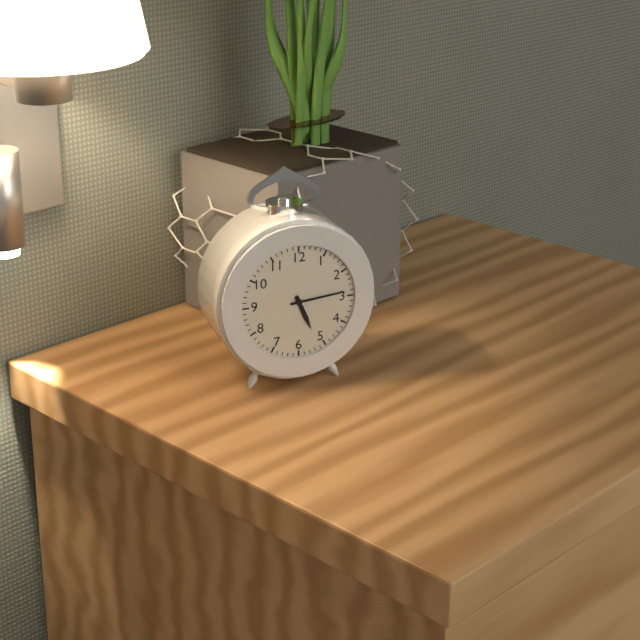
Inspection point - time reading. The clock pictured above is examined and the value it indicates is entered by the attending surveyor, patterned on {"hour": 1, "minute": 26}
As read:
{"hour": 5, "minute": 14}
